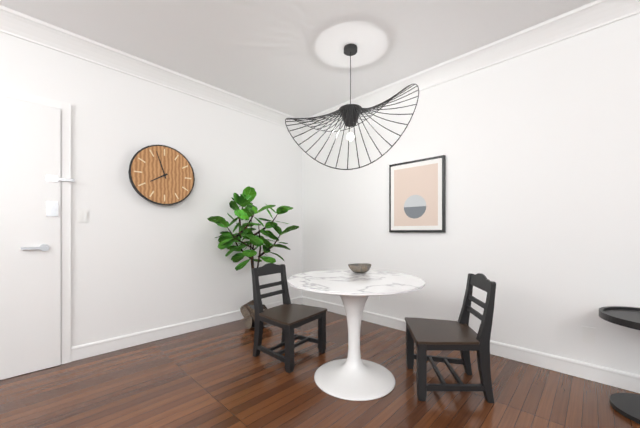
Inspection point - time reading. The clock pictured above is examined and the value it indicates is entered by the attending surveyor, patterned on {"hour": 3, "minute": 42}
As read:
{"hour": 7, "minute": 57}
